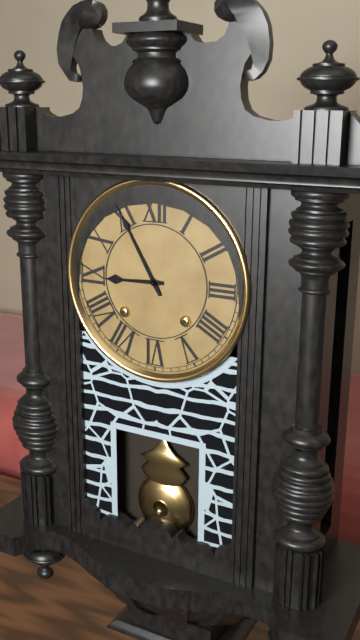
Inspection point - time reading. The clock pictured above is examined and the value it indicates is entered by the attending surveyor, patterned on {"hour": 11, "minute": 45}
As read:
{"hour": 8, "minute": 55}
